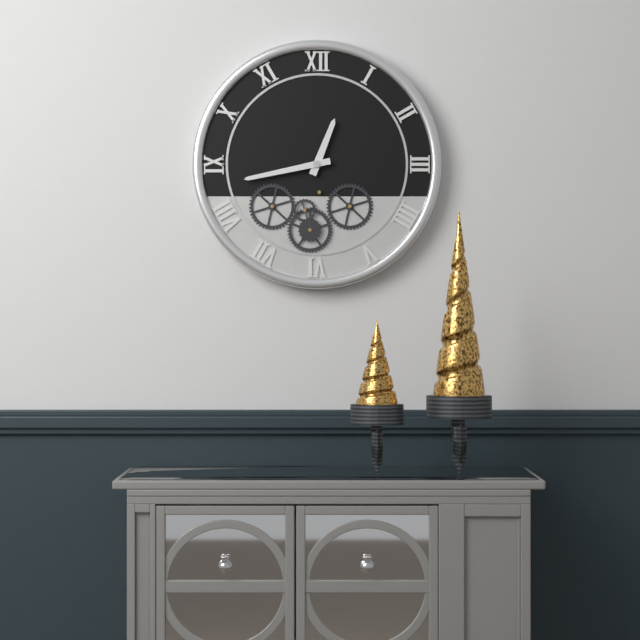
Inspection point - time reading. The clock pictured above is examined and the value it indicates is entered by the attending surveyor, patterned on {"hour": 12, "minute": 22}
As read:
{"hour": 12, "minute": 43}
